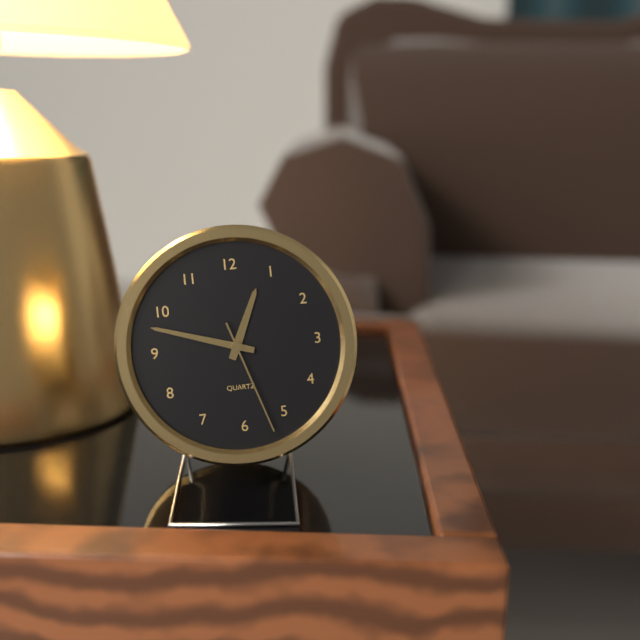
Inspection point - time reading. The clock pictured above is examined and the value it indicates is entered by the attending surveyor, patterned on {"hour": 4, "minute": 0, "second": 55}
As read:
{"hour": 12, "minute": 48, "second": 27}
